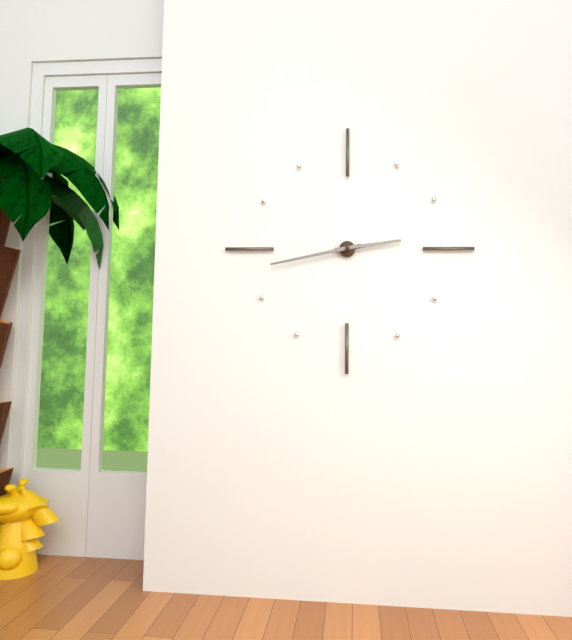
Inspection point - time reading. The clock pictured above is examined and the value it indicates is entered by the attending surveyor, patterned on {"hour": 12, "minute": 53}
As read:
{"hour": 2, "minute": 43}
